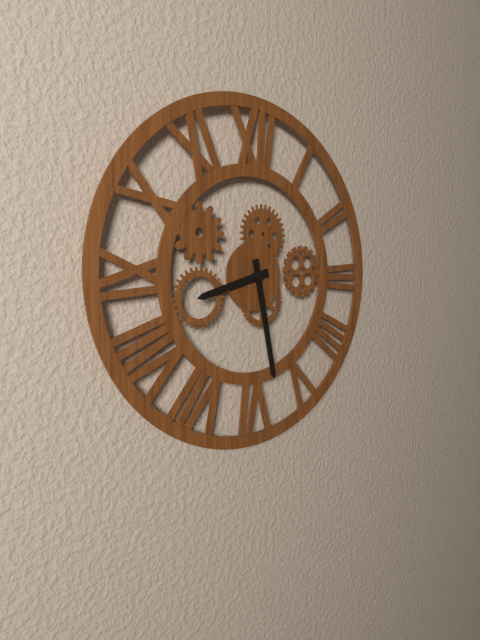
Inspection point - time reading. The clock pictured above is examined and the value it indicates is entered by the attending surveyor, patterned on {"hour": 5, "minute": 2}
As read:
{"hour": 8, "minute": 28}
